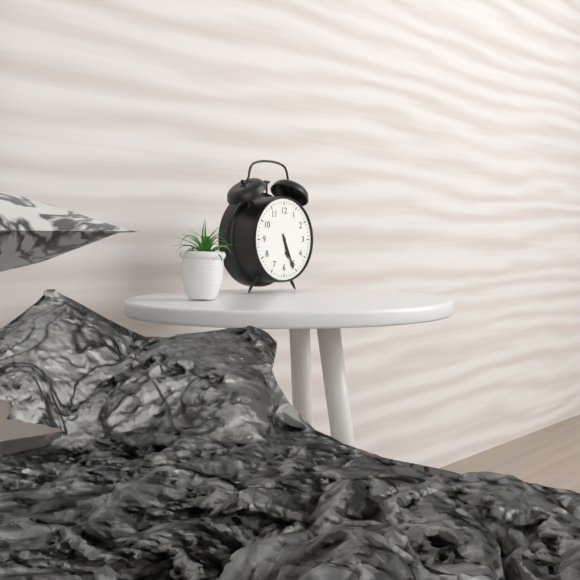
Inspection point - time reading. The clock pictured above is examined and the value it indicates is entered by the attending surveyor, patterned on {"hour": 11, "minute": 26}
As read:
{"hour": 5, "minute": 26}
